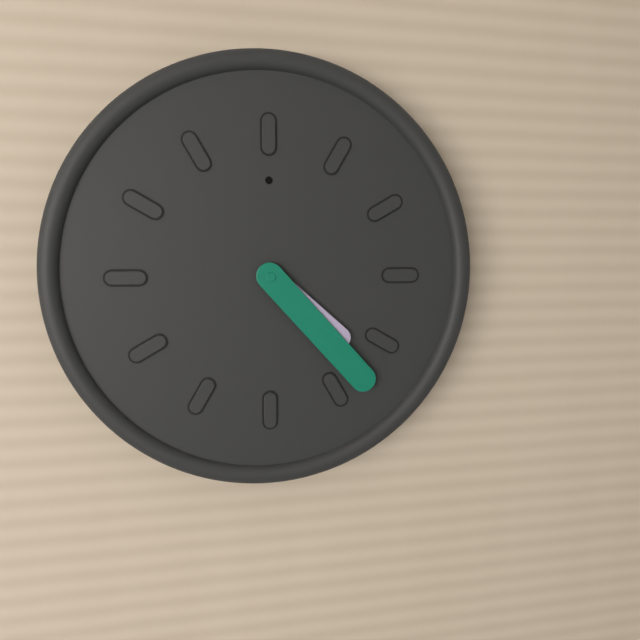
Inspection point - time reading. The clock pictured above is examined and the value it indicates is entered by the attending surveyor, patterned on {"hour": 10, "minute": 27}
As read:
{"hour": 4, "minute": 23}
